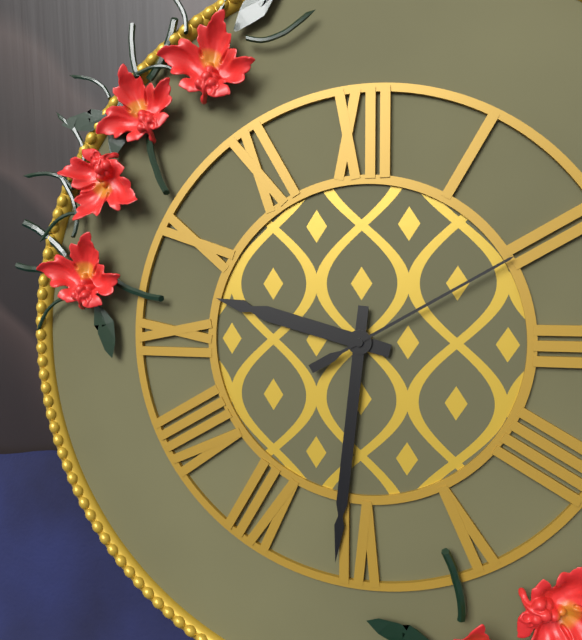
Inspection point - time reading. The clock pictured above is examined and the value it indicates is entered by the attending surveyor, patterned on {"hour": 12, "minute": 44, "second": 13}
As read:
{"hour": 9, "minute": 31, "second": 10}
